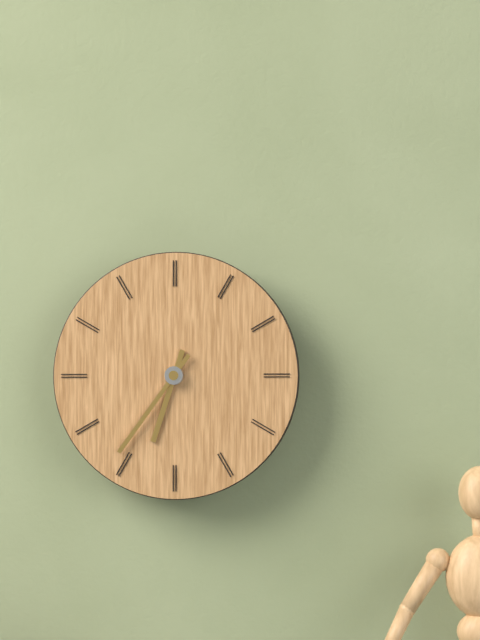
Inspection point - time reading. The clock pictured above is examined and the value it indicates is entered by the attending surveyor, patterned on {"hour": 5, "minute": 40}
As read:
{"hour": 6, "minute": 36}
